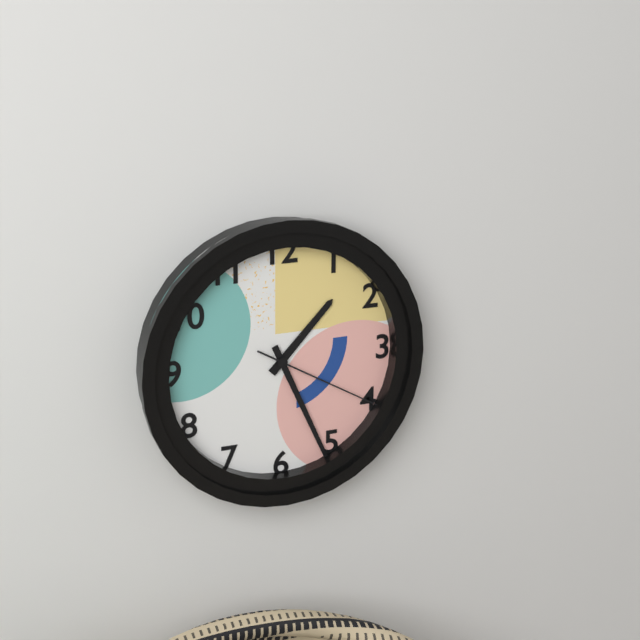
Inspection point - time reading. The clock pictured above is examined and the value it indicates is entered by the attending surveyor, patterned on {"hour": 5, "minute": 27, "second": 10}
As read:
{"hour": 1, "minute": 26, "second": 20}
